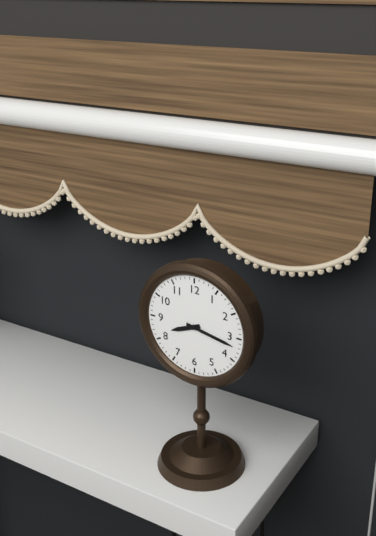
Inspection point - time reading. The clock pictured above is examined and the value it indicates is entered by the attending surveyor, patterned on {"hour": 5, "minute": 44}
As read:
{"hour": 8, "minute": 17}
